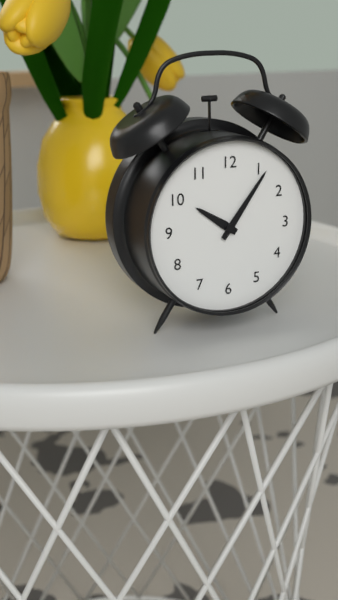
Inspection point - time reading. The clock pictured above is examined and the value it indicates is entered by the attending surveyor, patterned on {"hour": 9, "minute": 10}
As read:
{"hour": 10, "minute": 6}
